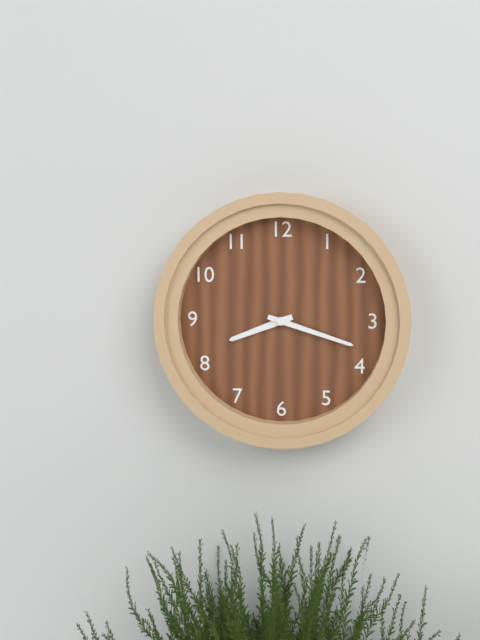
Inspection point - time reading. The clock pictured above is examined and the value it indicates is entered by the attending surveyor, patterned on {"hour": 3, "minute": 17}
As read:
{"hour": 8, "minute": 18}
